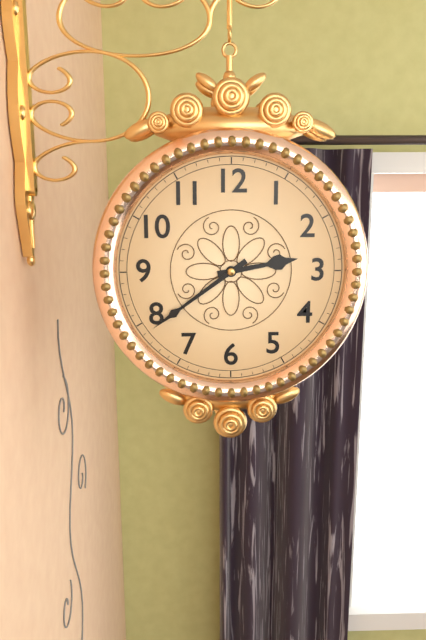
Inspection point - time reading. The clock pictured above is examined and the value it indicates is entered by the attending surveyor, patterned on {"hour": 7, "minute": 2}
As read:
{"hour": 2, "minute": 39}
